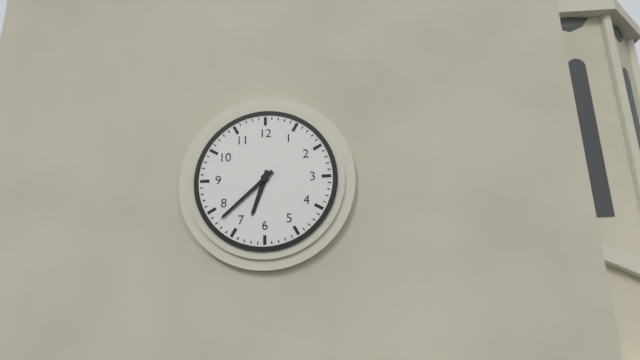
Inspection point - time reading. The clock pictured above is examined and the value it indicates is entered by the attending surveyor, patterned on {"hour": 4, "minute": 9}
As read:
{"hour": 6, "minute": 38}
